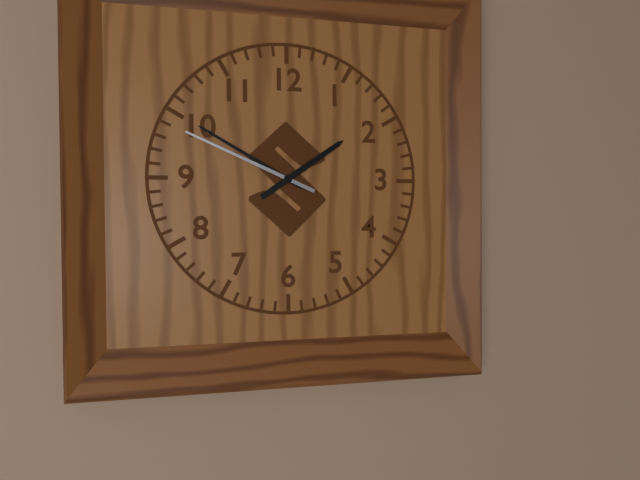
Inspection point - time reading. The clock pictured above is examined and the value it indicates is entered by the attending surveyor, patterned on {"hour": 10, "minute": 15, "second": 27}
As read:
{"hour": 1, "minute": 50, "second": 49}
